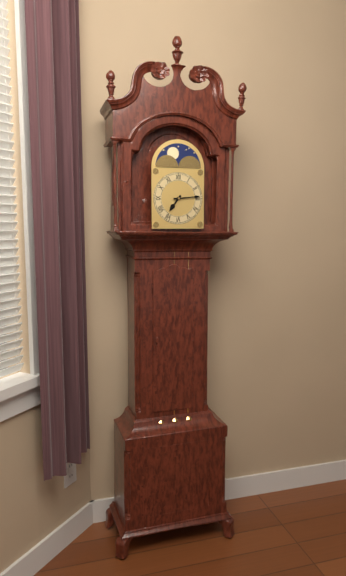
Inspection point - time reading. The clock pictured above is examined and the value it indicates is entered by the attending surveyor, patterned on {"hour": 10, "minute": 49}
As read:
{"hour": 7, "minute": 14}
